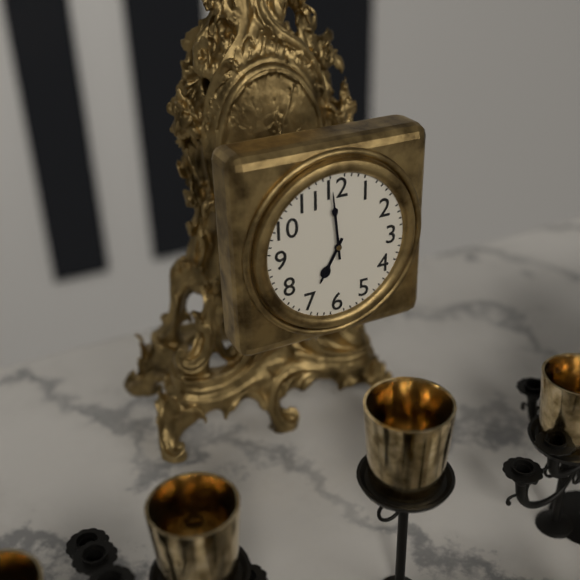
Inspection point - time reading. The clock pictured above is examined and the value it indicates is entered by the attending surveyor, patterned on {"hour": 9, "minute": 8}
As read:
{"hour": 6, "minute": 59}
